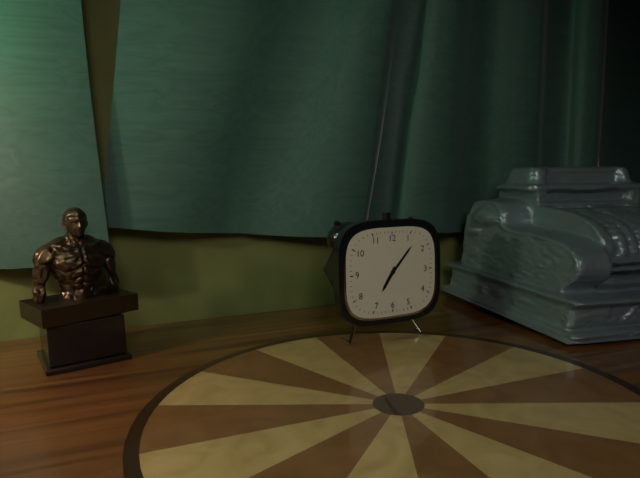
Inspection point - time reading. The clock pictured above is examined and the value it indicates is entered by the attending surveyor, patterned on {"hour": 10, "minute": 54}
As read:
{"hour": 7, "minute": 7}
